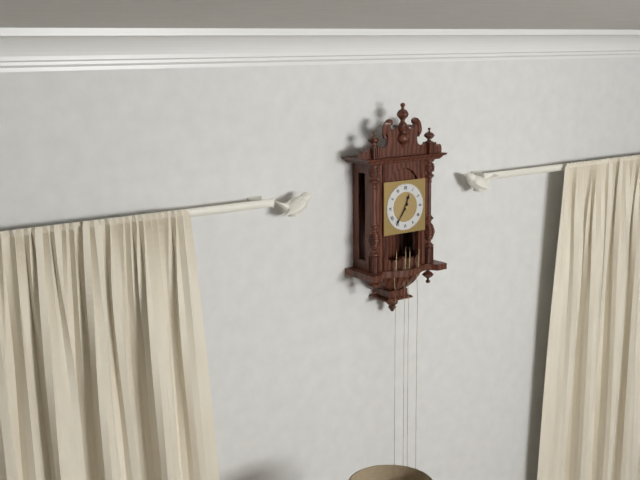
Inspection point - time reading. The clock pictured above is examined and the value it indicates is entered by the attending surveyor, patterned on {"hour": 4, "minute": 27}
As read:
{"hour": 12, "minute": 36}
